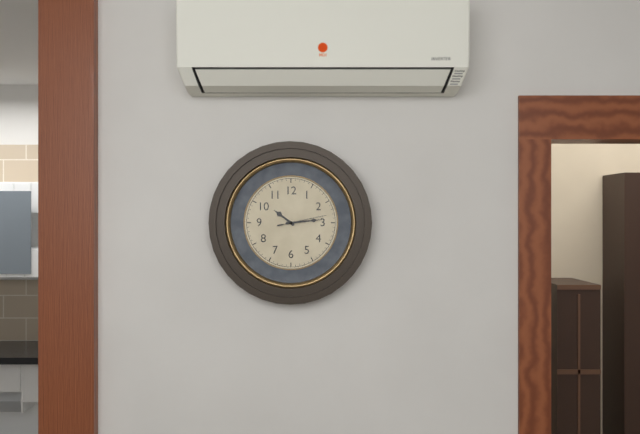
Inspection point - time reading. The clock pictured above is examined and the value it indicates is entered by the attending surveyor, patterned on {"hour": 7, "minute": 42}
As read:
{"hour": 10, "minute": 14}
